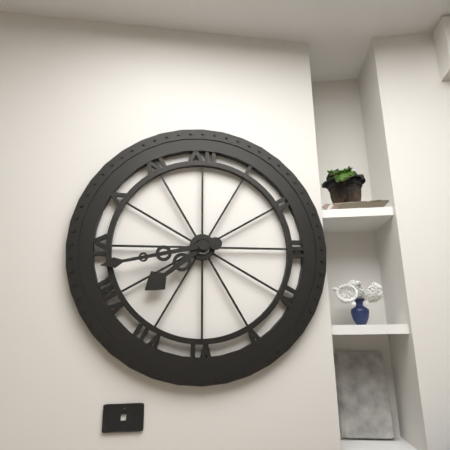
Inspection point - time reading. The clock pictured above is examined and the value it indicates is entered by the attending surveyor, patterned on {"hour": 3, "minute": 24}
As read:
{"hour": 7, "minute": 43}
